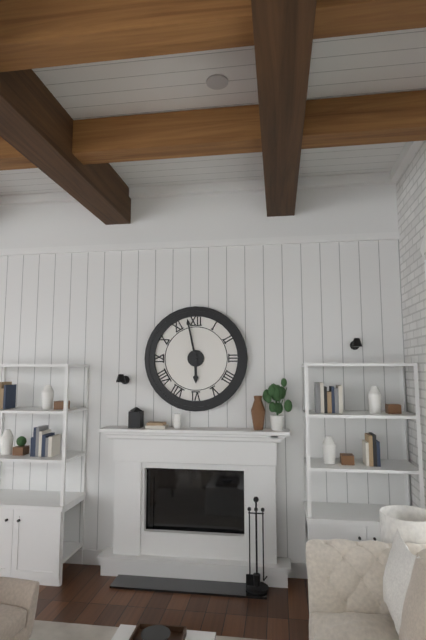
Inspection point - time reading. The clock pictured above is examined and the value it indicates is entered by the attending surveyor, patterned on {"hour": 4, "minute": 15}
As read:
{"hour": 5, "minute": 58}
